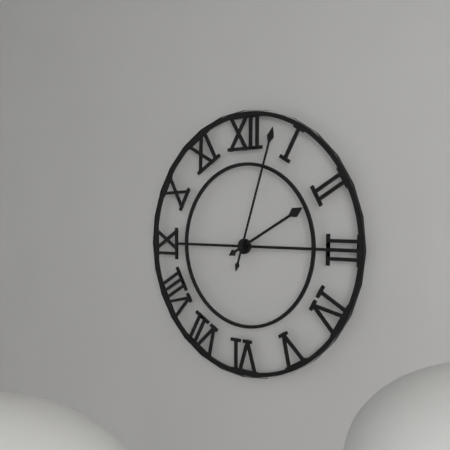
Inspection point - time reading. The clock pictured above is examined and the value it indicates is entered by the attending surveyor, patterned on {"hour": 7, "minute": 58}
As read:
{"hour": 2, "minute": 3}
